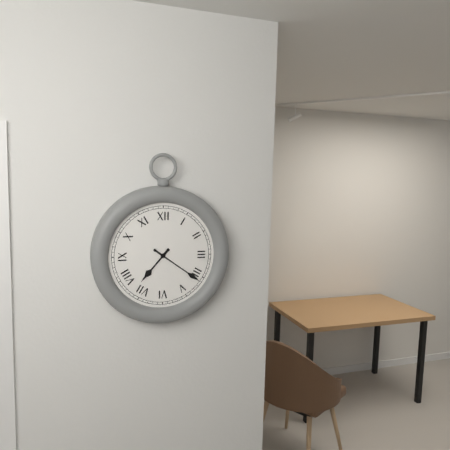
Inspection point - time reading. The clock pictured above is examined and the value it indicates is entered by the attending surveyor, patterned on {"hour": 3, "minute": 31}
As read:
{"hour": 7, "minute": 21}
